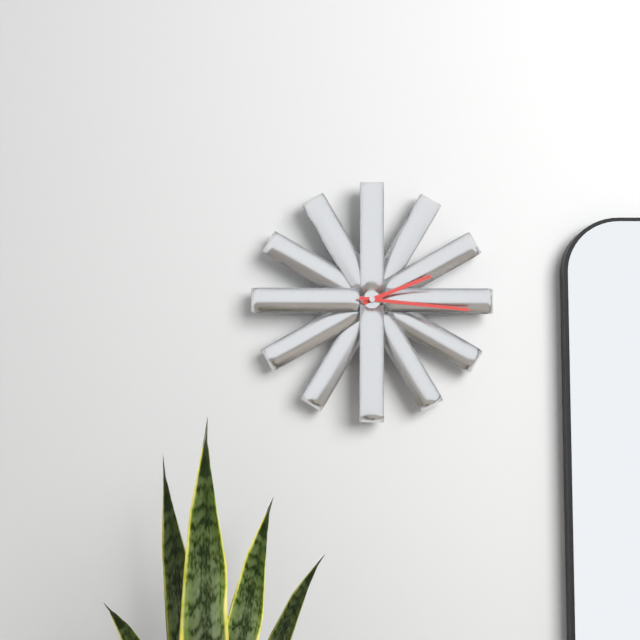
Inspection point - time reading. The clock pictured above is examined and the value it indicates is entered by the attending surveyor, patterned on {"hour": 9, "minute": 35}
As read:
{"hour": 2, "minute": 16}
